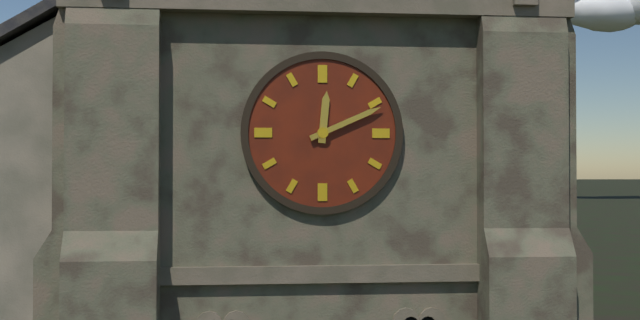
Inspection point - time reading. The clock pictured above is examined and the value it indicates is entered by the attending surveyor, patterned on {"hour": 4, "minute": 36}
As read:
{"hour": 12, "minute": 11}
